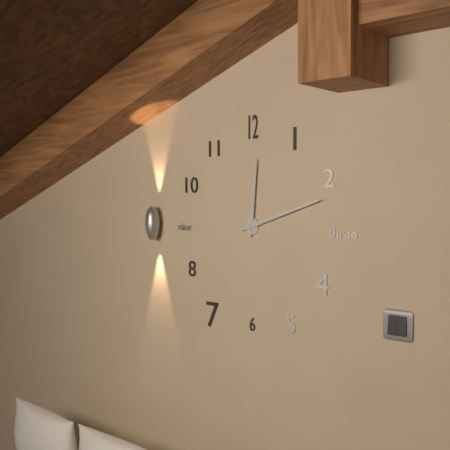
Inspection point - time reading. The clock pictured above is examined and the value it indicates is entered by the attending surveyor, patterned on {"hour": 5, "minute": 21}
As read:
{"hour": 12, "minute": 12}
